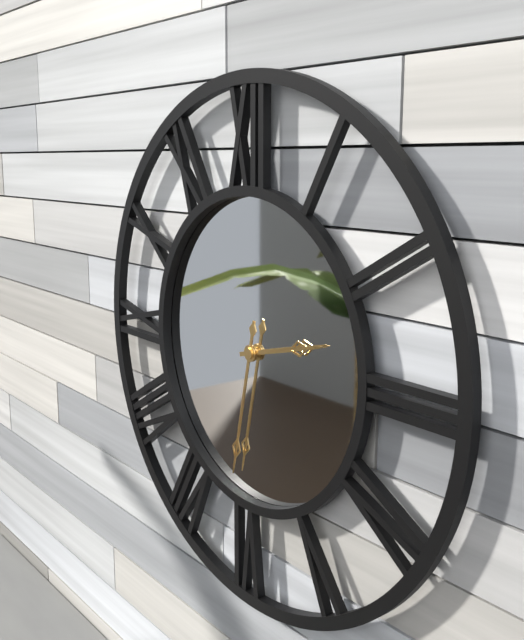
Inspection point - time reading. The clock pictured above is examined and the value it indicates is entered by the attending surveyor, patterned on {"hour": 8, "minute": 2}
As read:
{"hour": 2, "minute": 32}
